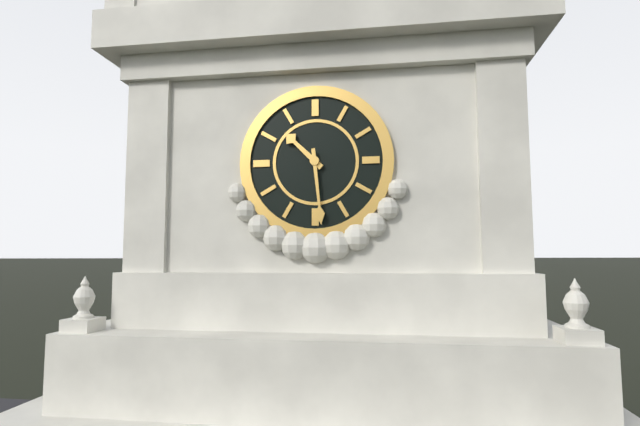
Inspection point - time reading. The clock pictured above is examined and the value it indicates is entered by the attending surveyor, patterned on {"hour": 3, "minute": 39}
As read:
{"hour": 10, "minute": 29}
